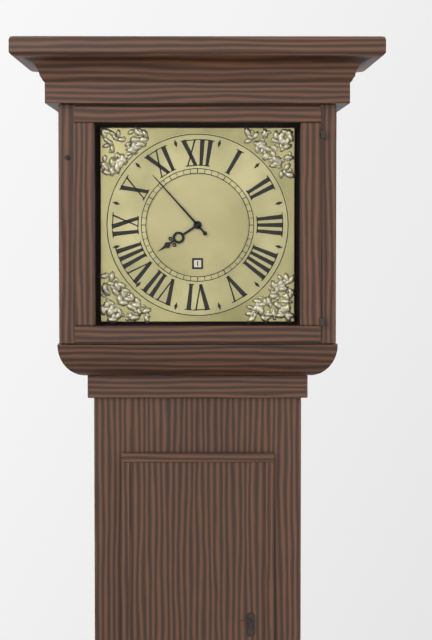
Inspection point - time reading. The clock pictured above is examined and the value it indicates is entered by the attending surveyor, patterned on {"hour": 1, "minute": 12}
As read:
{"hour": 7, "minute": 53}
